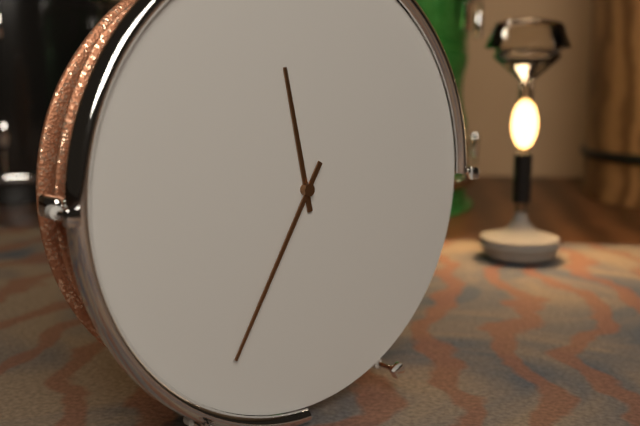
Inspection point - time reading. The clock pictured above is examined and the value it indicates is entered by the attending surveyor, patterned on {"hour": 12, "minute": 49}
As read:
{"hour": 11, "minute": 35}
